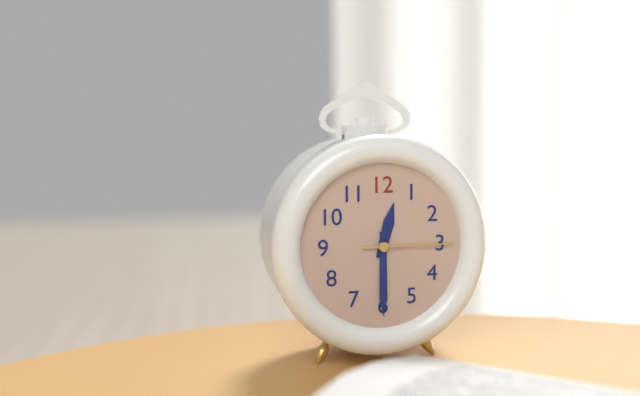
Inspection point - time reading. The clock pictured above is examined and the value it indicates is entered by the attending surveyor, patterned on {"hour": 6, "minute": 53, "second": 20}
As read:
{"hour": 12, "minute": 30, "second": 15}
